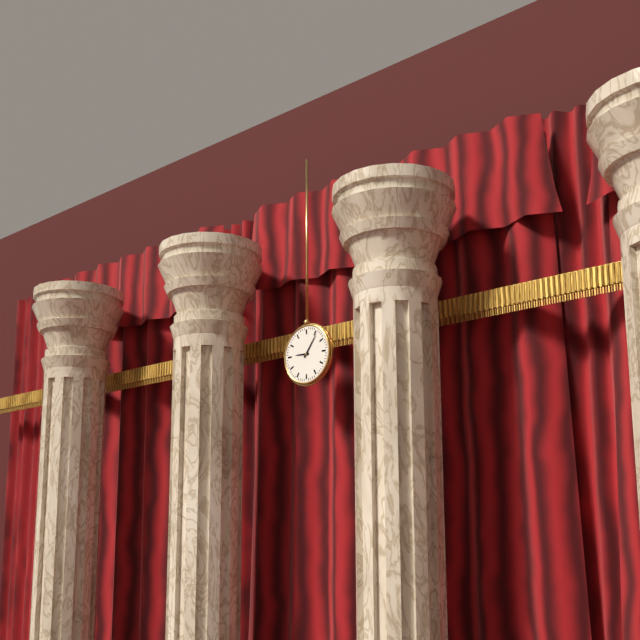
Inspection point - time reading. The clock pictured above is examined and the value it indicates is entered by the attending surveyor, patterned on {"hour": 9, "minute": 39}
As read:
{"hour": 9, "minute": 6}
